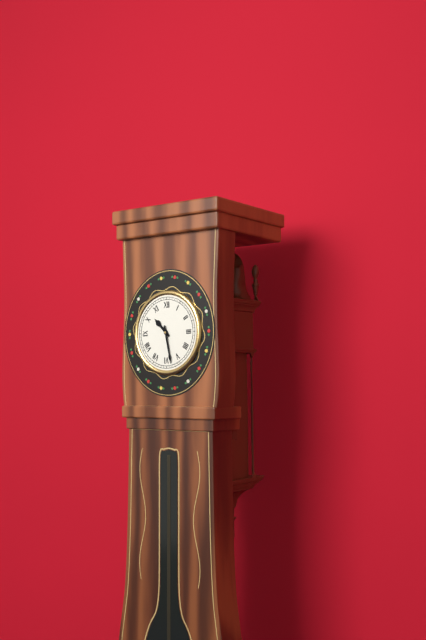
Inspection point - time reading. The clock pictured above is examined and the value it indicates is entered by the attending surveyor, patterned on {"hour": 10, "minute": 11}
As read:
{"hour": 10, "minute": 28}
